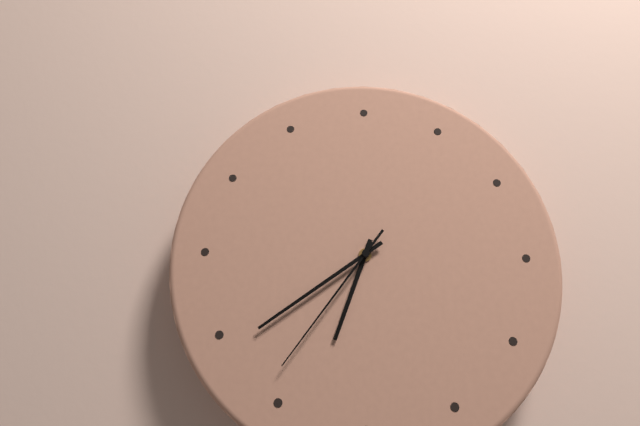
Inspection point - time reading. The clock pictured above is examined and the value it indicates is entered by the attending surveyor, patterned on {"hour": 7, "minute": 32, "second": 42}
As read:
{"hour": 6, "minute": 39, "second": 36}
